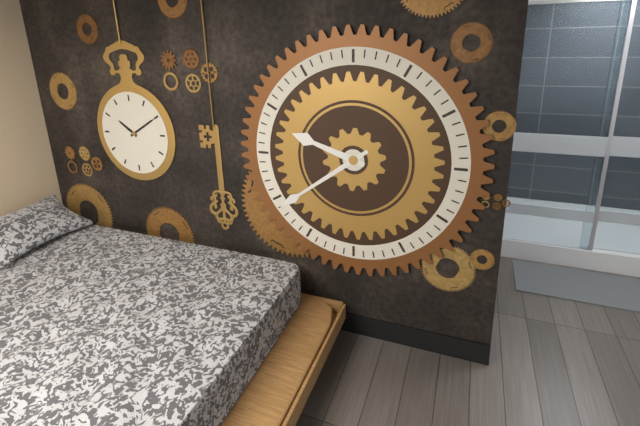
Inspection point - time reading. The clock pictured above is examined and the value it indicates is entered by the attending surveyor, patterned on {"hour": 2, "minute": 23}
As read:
{"hour": 9, "minute": 39}
